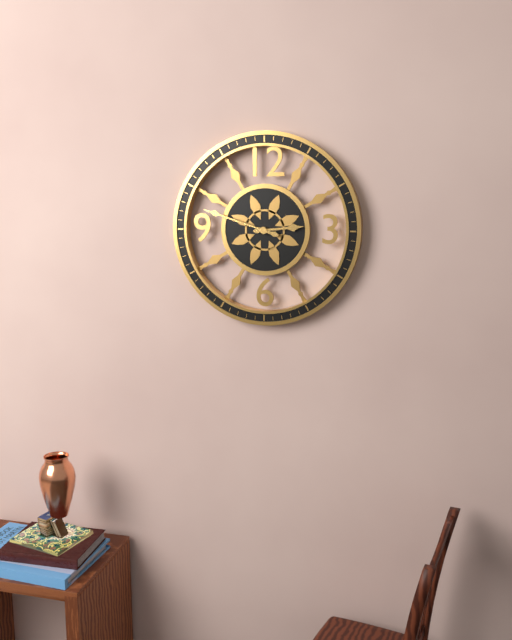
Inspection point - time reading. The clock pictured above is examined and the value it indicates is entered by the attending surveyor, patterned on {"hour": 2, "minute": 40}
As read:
{"hour": 2, "minute": 48}
